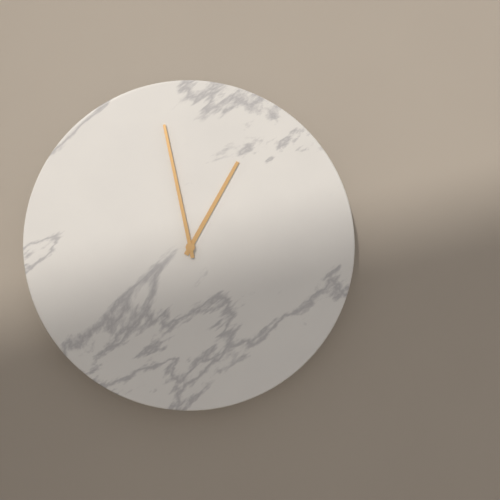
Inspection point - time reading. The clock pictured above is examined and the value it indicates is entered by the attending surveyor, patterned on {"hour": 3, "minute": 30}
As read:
{"hour": 12, "minute": 58}
